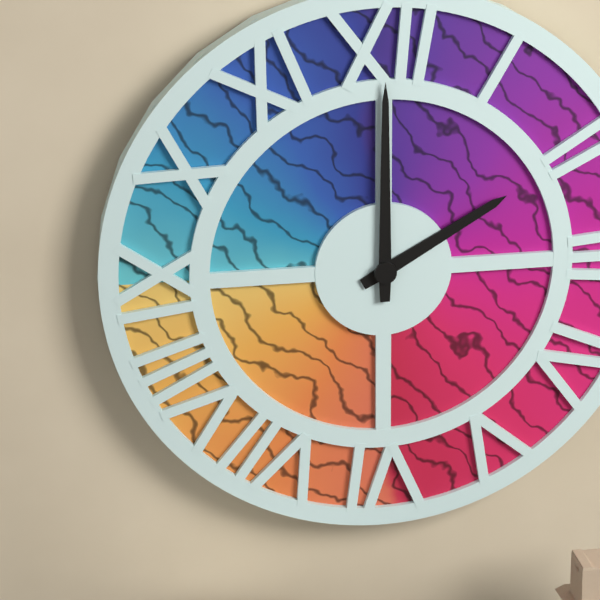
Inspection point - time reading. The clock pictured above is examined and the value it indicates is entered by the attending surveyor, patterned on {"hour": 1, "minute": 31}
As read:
{"hour": 2, "minute": 0}
